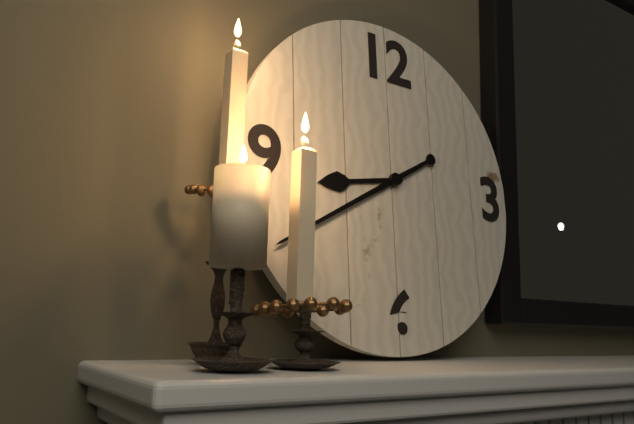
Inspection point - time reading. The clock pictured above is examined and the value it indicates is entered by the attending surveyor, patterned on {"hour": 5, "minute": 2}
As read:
{"hour": 8, "minute": 40}
